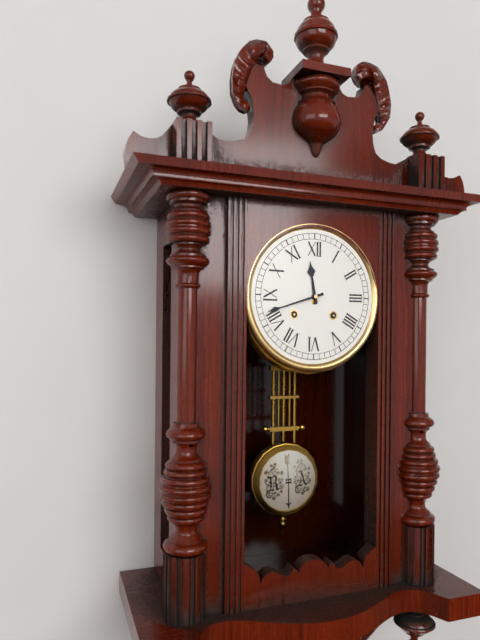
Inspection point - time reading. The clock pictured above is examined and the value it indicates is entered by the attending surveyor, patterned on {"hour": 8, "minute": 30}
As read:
{"hour": 11, "minute": 42}
